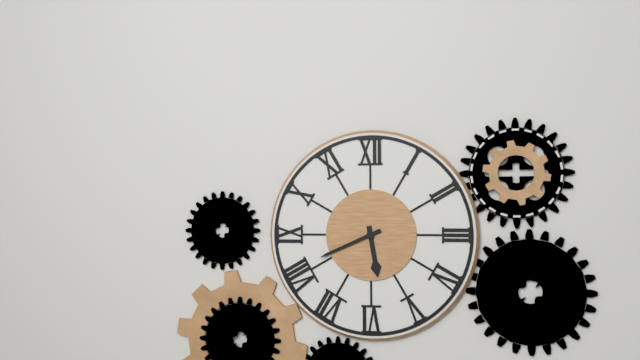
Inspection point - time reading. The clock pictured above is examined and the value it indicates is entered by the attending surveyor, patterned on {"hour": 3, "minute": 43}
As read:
{"hour": 5, "minute": 41}
